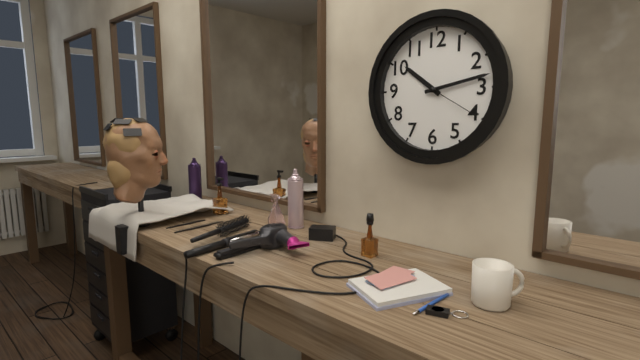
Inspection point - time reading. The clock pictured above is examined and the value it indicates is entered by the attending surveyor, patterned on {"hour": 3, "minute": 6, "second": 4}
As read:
{"hour": 10, "minute": 13, "second": 20}
